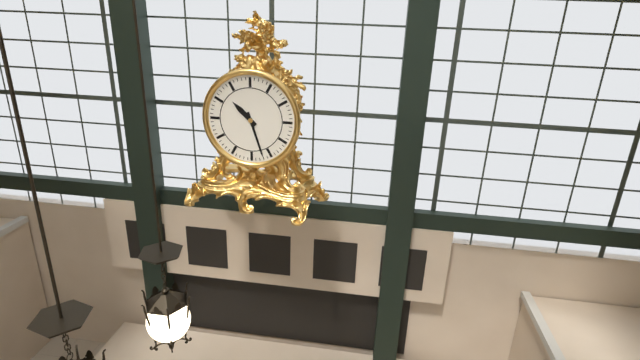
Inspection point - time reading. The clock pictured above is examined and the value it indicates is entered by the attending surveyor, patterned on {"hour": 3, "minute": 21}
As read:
{"hour": 10, "minute": 27}
